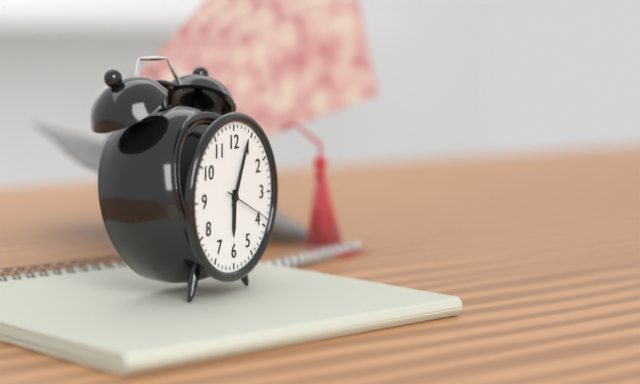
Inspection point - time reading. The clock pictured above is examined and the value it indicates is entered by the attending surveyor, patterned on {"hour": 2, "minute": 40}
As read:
{"hour": 6, "minute": 4}
